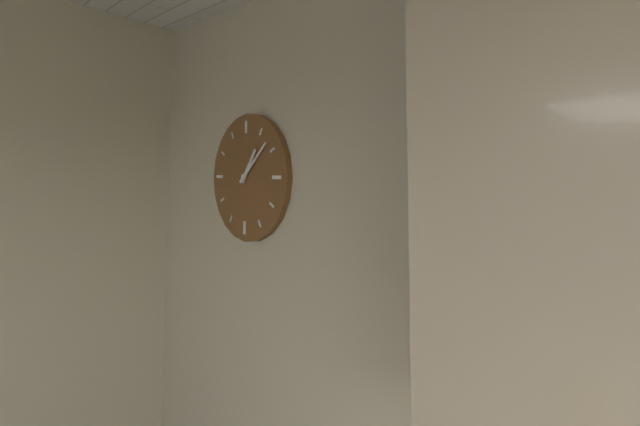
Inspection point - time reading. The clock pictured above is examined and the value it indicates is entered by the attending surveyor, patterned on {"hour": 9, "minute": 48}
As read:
{"hour": 1, "minute": 8}
